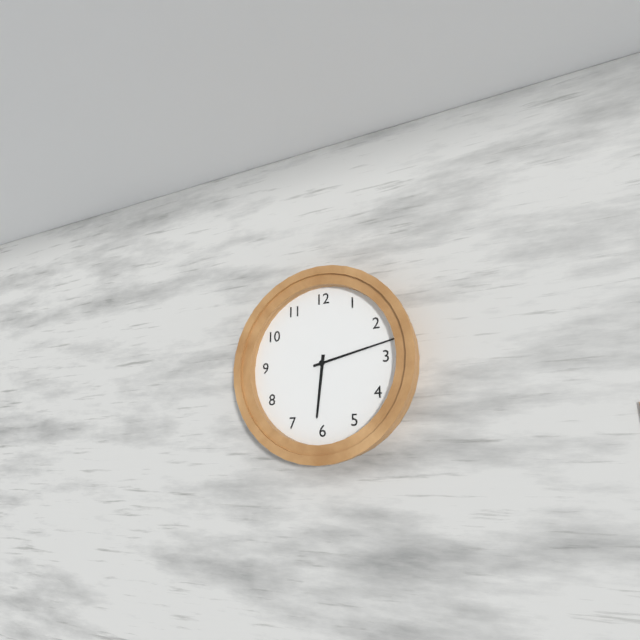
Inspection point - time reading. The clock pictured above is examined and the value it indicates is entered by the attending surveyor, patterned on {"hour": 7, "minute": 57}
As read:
{"hour": 6, "minute": 13}
